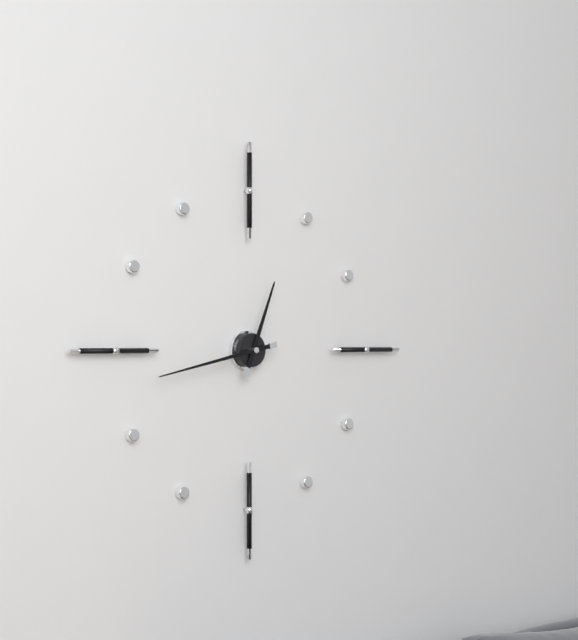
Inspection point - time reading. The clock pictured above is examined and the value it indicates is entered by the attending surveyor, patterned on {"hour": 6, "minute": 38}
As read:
{"hour": 12, "minute": 43}
